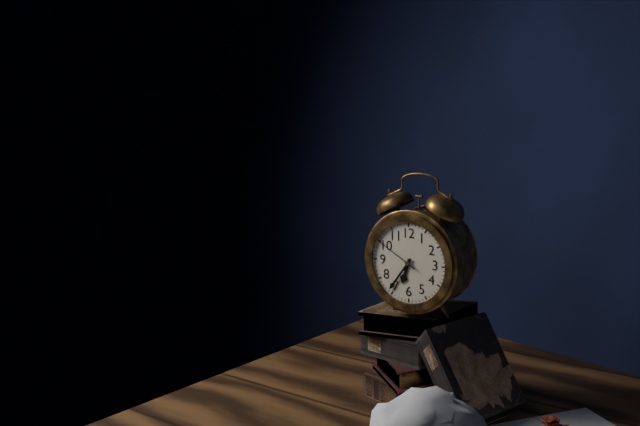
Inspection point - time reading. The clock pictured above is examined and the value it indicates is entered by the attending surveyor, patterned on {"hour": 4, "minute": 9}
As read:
{"hour": 6, "minute": 36}
